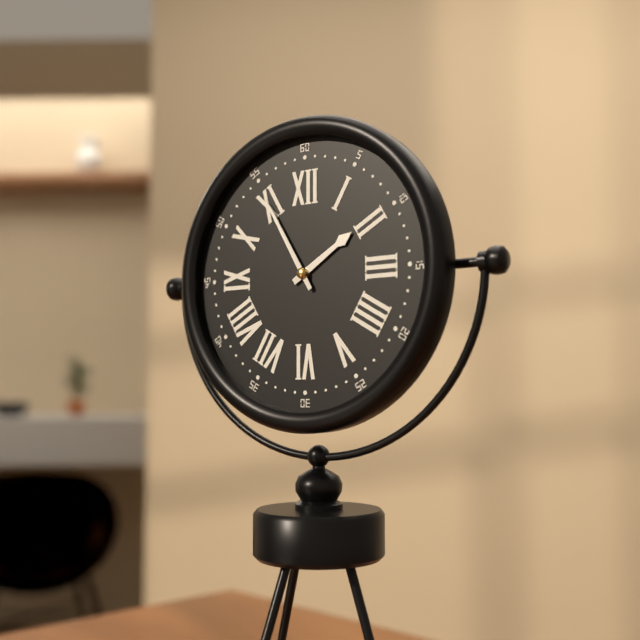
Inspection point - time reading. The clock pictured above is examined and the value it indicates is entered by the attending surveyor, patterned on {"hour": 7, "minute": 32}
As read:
{"hour": 1, "minute": 55}
